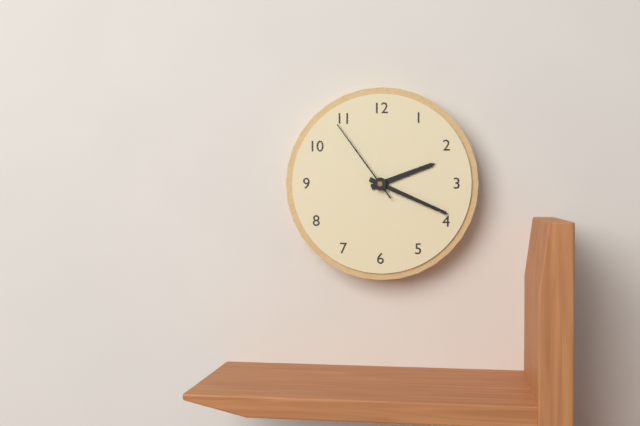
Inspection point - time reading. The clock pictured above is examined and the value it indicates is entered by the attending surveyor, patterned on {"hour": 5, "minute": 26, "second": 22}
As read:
{"hour": 2, "minute": 19, "second": 54}
